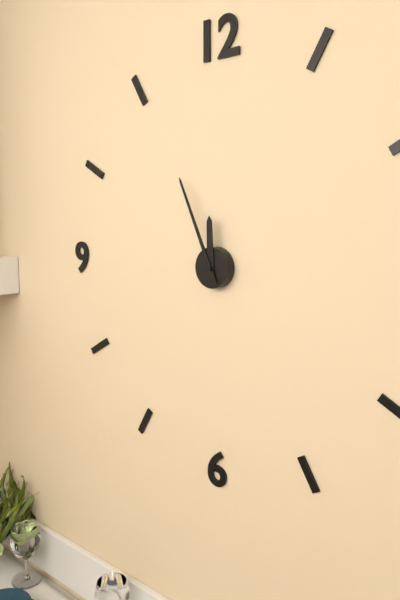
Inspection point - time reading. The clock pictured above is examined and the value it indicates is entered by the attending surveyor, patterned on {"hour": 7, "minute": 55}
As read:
{"hour": 11, "minute": 56}
